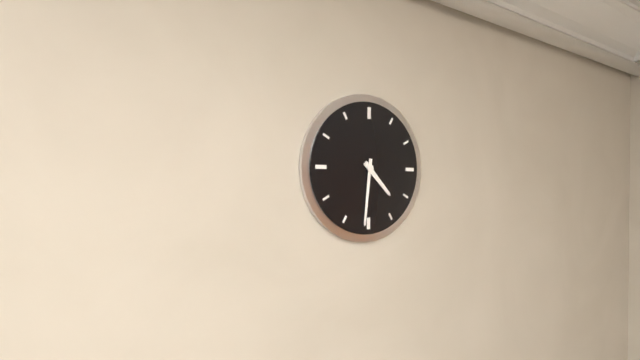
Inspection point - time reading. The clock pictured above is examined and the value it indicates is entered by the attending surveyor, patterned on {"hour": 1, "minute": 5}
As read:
{"hour": 4, "minute": 31}
